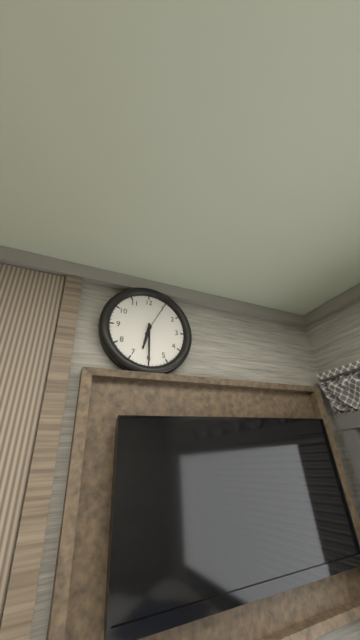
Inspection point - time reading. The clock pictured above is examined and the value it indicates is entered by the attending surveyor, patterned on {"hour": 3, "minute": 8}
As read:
{"hour": 6, "minute": 30}
